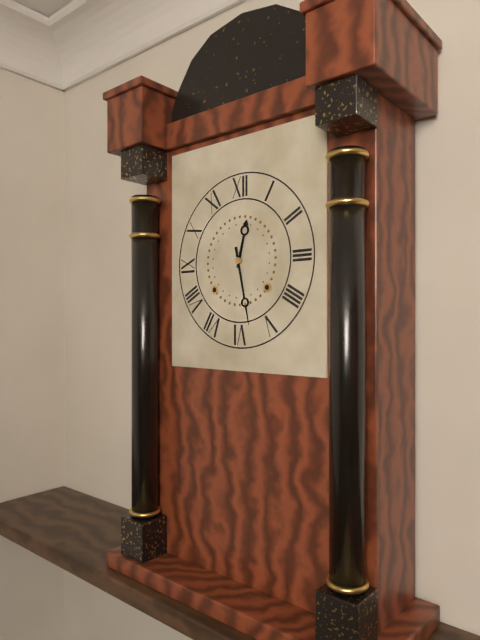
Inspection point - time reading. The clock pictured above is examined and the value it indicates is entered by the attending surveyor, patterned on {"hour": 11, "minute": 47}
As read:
{"hour": 12, "minute": 28}
